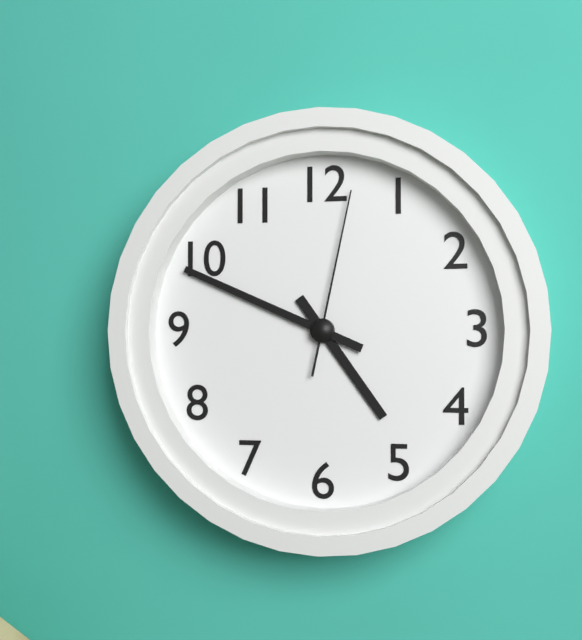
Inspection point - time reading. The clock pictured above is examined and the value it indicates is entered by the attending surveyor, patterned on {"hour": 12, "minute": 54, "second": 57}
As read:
{"hour": 4, "minute": 49, "second": 2}
